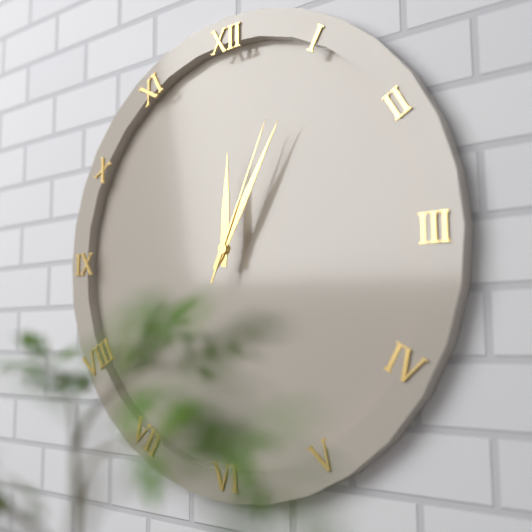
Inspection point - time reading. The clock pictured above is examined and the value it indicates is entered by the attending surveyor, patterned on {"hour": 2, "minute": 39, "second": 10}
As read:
{"hour": 12, "minute": 5, "second": 4}
